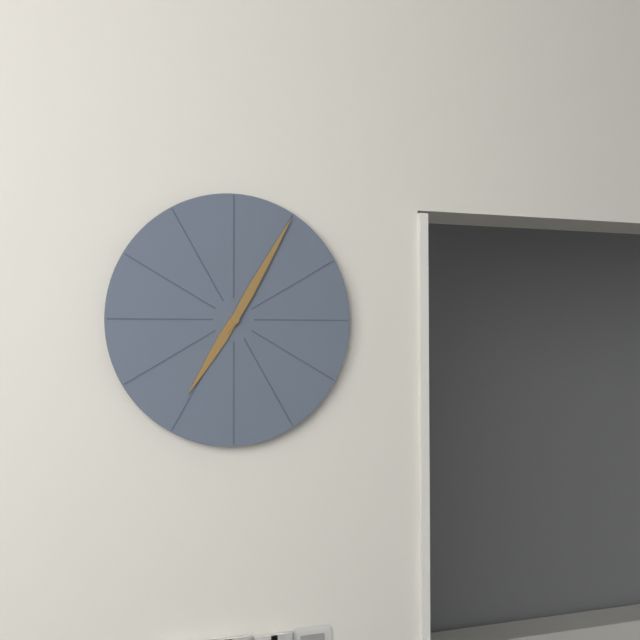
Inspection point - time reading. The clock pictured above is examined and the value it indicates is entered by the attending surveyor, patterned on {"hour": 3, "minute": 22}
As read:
{"hour": 7, "minute": 5}
